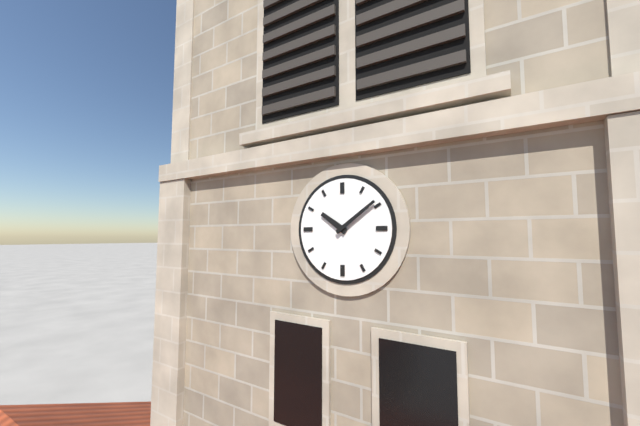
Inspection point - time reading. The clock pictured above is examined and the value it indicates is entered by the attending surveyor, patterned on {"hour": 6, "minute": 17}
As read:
{"hour": 10, "minute": 9}
